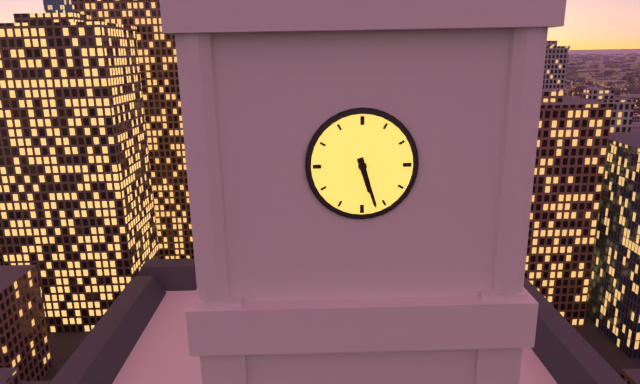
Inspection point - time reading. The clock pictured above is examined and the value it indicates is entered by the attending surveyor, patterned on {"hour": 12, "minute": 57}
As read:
{"hour": 5, "minute": 27}
